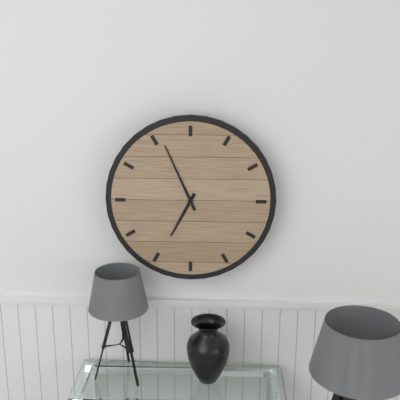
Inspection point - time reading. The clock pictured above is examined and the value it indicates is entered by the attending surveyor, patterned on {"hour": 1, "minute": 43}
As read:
{"hour": 6, "minute": 56}
